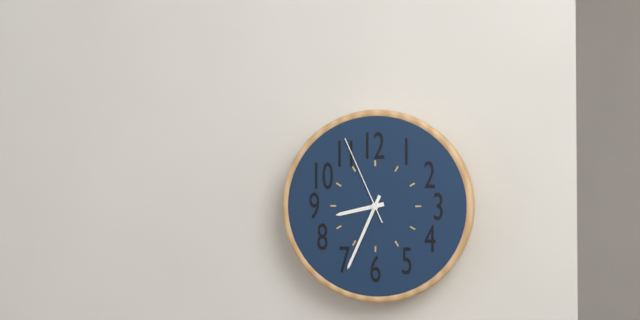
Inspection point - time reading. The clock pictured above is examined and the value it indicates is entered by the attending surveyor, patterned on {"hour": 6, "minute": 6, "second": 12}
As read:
{"hour": 8, "minute": 34, "second": 56}
